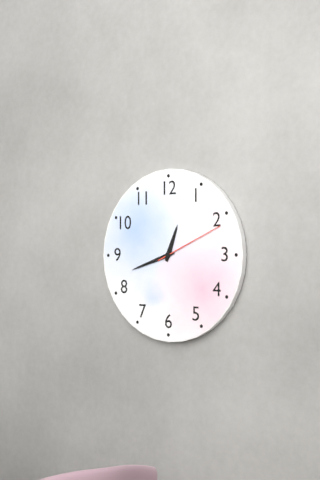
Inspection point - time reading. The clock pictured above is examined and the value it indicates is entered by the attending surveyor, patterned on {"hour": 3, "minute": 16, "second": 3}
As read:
{"hour": 12, "minute": 42, "second": 11}
